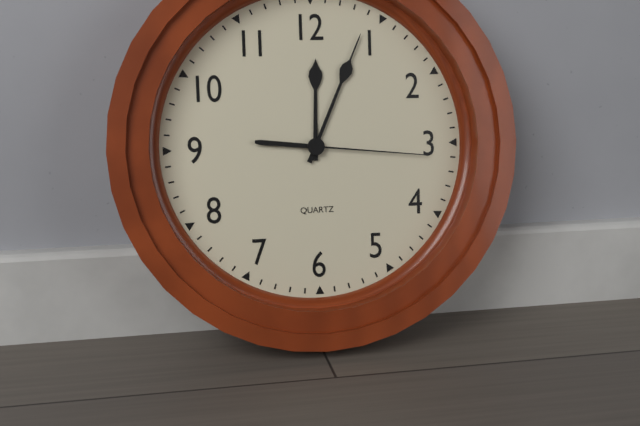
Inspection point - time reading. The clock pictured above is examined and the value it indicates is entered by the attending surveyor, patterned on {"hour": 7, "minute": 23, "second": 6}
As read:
{"hour": 12, "minute": 4, "second": 16}
